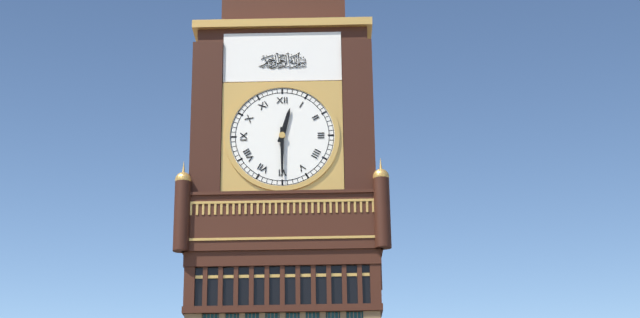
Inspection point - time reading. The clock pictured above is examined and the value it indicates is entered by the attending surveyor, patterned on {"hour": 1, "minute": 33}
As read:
{"hour": 12, "minute": 30}
